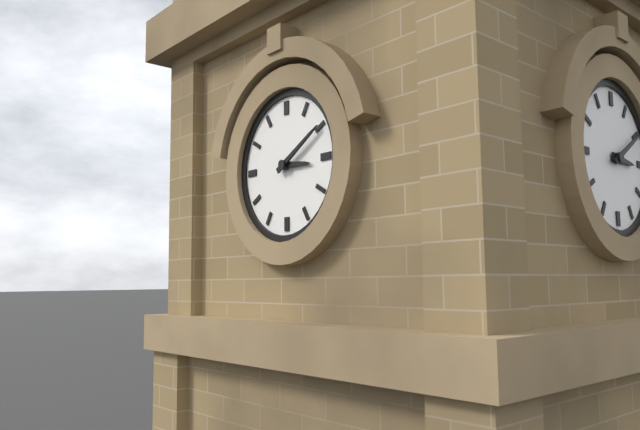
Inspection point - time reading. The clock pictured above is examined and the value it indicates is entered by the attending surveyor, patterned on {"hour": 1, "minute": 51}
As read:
{"hour": 3, "minute": 10}
